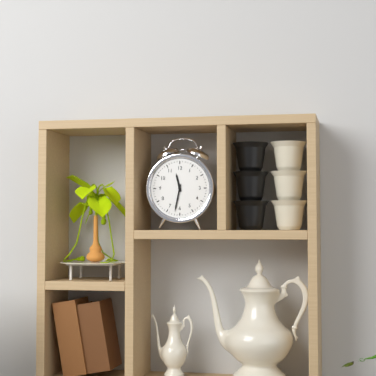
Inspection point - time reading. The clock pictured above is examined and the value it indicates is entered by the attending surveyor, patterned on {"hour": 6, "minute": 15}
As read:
{"hour": 11, "minute": 32}
